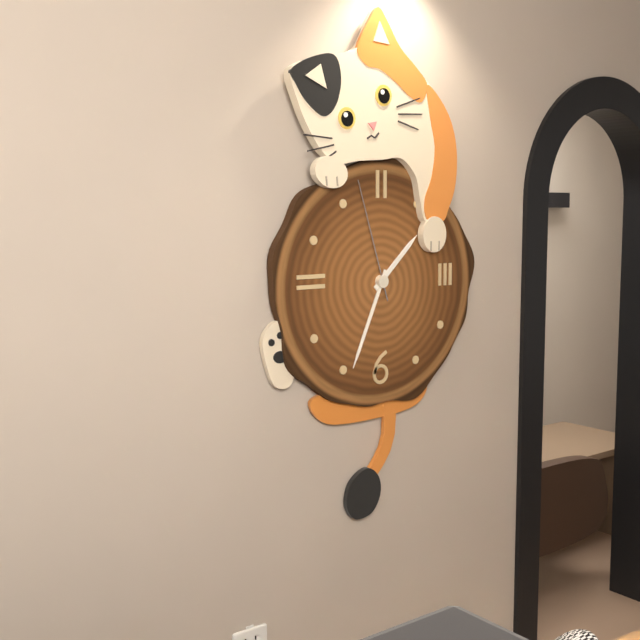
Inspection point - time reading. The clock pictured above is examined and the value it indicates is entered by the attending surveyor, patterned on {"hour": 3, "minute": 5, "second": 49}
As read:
{"hour": 1, "minute": 34, "second": 57}
